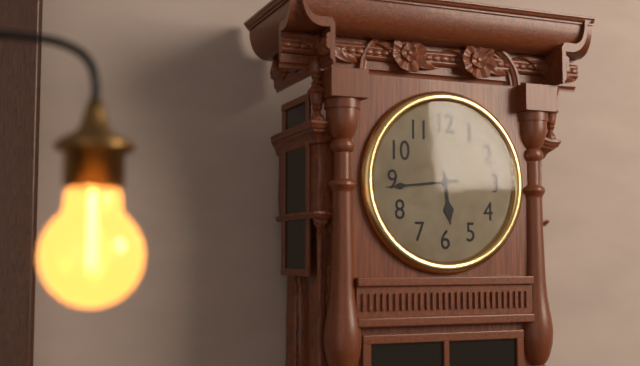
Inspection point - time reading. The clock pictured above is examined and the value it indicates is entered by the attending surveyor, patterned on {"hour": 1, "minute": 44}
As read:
{"hour": 5, "minute": 44}
